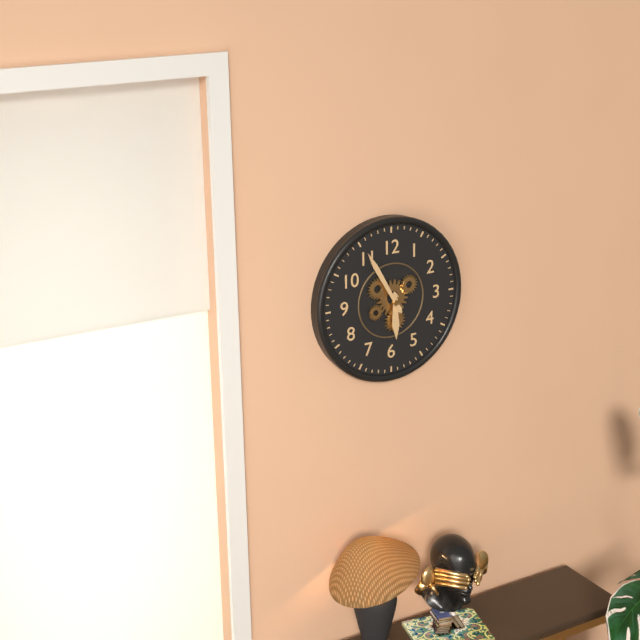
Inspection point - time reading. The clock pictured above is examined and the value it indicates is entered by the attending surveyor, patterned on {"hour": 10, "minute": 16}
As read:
{"hour": 5, "minute": 55}
